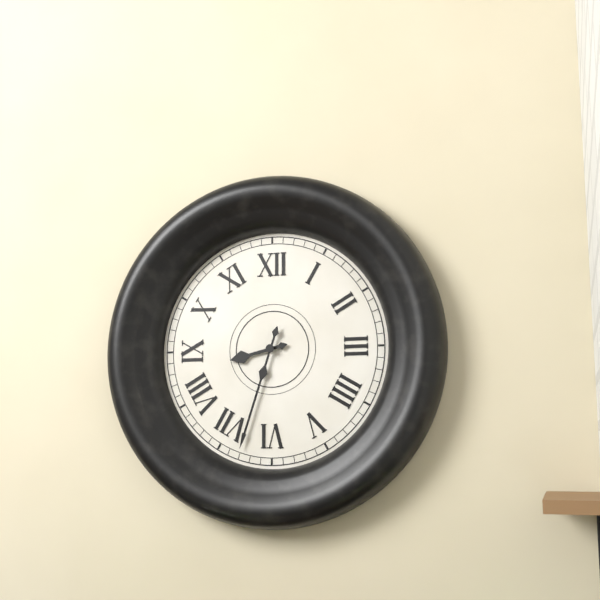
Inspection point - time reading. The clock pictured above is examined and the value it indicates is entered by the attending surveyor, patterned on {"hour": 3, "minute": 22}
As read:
{"hour": 8, "minute": 33}
